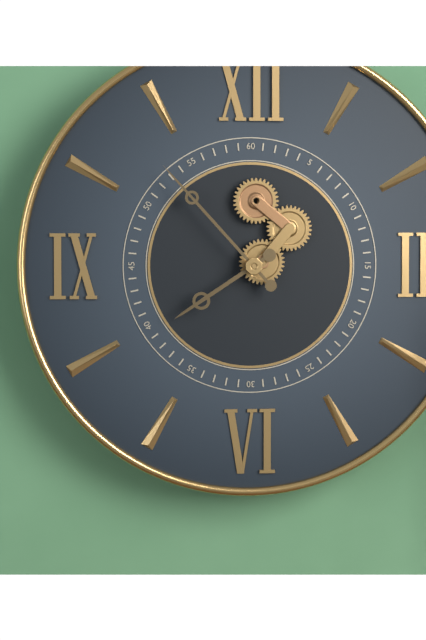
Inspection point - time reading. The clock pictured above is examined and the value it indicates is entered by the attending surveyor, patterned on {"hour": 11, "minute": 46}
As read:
{"hour": 7, "minute": 53}
